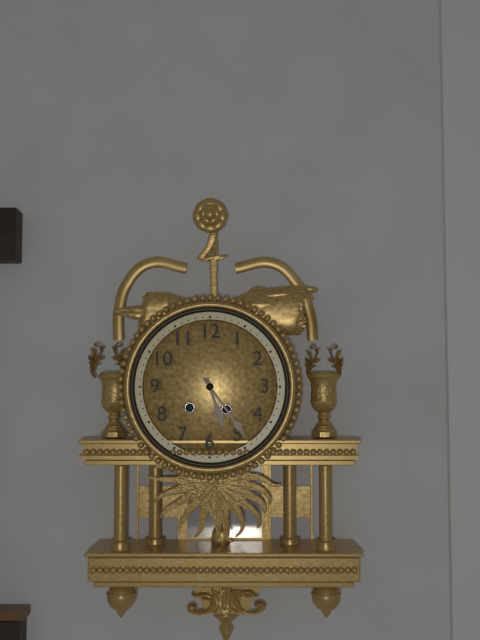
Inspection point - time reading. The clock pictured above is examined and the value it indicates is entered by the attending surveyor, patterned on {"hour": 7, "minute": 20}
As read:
{"hour": 5, "minute": 24}
